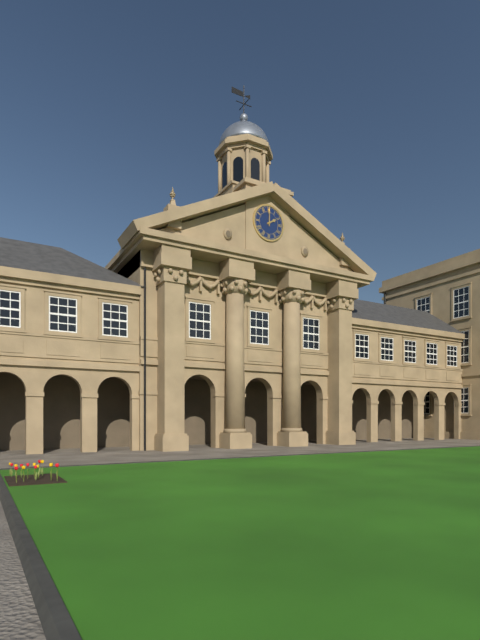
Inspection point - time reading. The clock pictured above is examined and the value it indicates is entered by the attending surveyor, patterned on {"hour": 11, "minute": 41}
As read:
{"hour": 2, "minute": 0}
